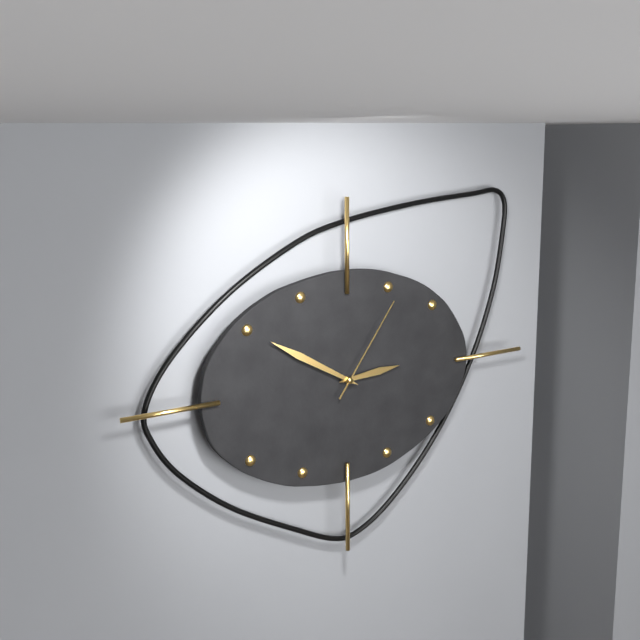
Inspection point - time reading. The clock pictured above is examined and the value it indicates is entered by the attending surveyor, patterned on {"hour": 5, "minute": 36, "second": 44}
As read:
{"hour": 2, "minute": 50, "second": 6}
